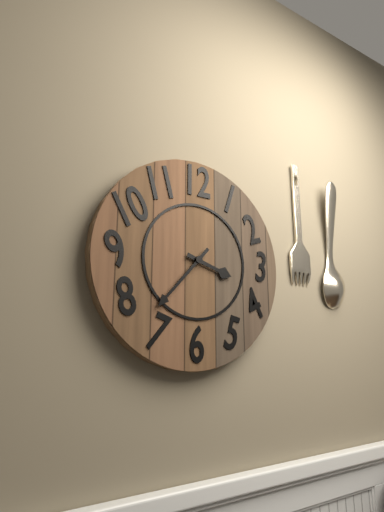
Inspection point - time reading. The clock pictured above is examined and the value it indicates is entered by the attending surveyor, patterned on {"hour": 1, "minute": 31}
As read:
{"hour": 3, "minute": 37}
